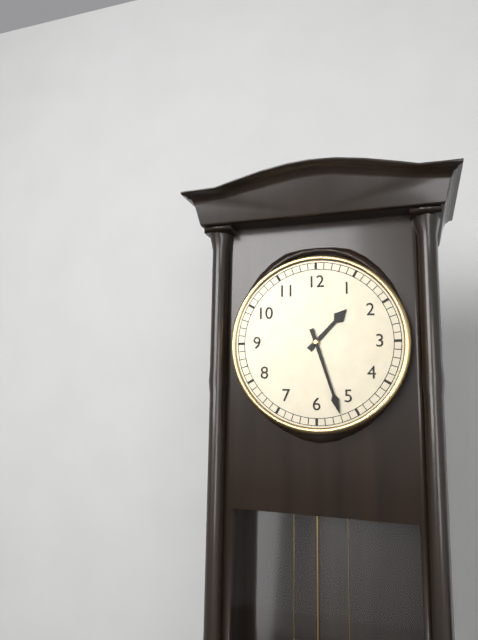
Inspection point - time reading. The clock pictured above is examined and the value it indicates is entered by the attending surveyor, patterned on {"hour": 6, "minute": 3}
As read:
{"hour": 1, "minute": 27}
